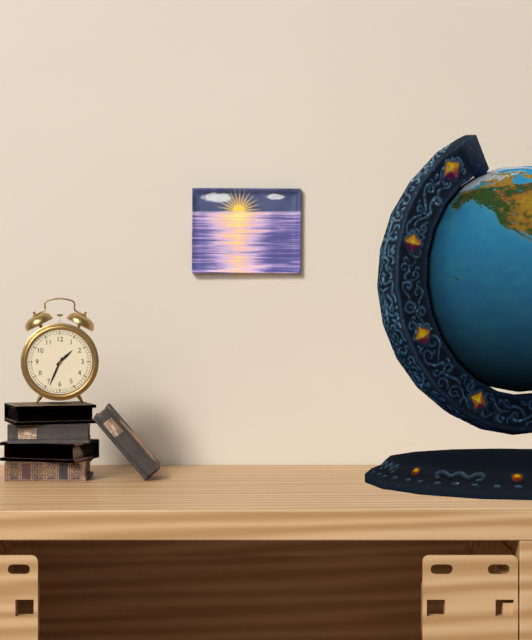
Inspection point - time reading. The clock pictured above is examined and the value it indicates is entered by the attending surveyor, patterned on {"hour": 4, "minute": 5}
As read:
{"hour": 1, "minute": 34}
